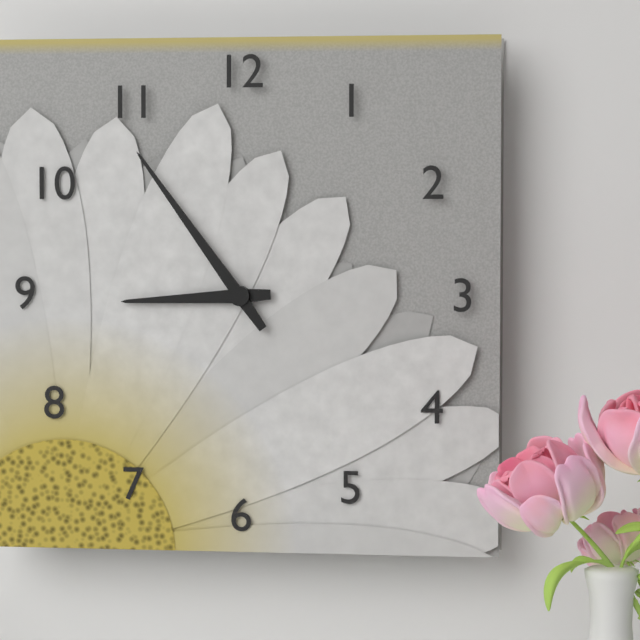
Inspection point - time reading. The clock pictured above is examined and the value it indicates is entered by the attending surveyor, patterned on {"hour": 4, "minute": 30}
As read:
{"hour": 8, "minute": 54}
